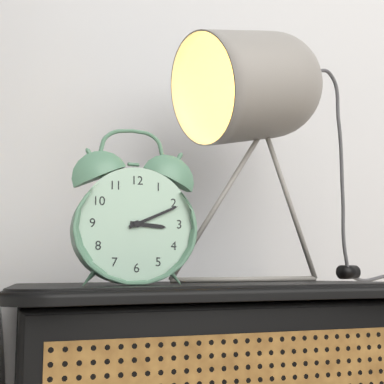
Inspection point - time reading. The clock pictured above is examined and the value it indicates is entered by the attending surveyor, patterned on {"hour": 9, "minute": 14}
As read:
{"hour": 3, "minute": 11}
